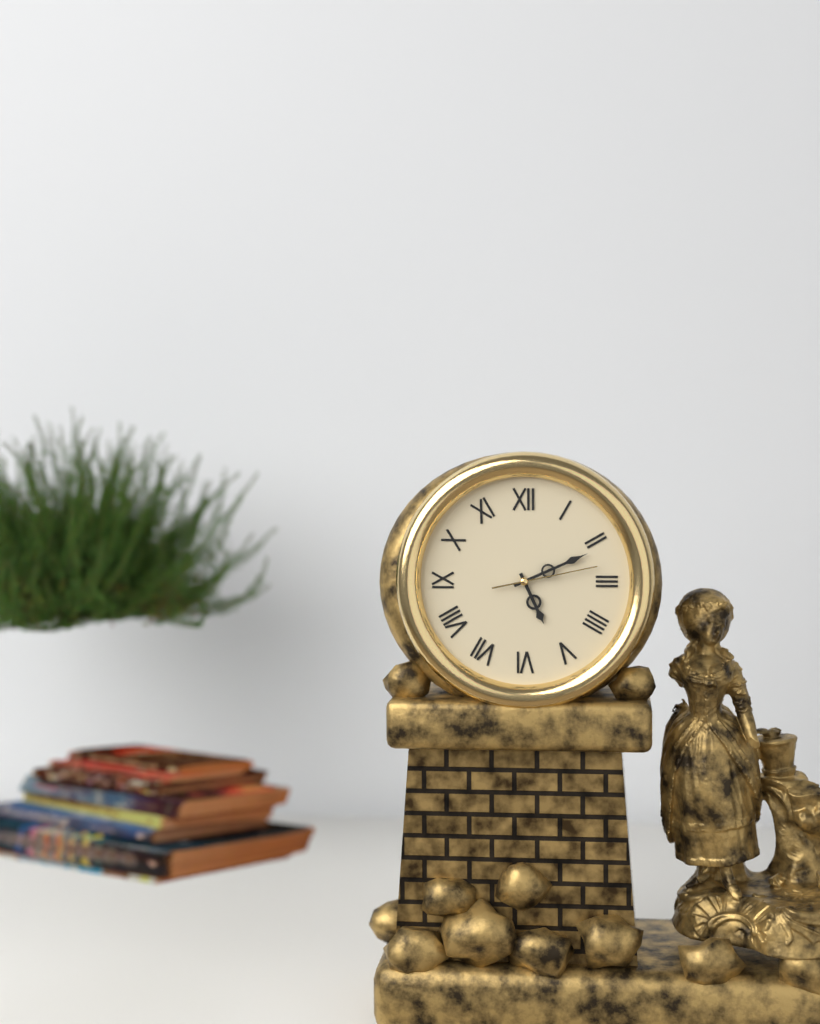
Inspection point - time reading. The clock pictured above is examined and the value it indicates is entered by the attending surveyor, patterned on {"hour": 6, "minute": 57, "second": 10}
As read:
{"hour": 5, "minute": 11, "second": 13}
